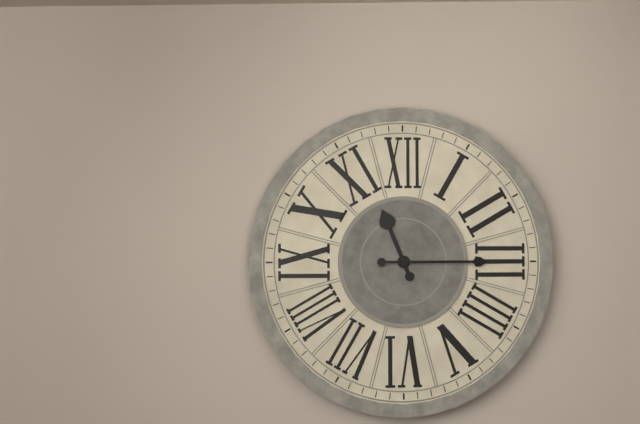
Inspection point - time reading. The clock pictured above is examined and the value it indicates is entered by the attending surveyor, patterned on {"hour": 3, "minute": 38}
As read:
{"hour": 11, "minute": 15}
